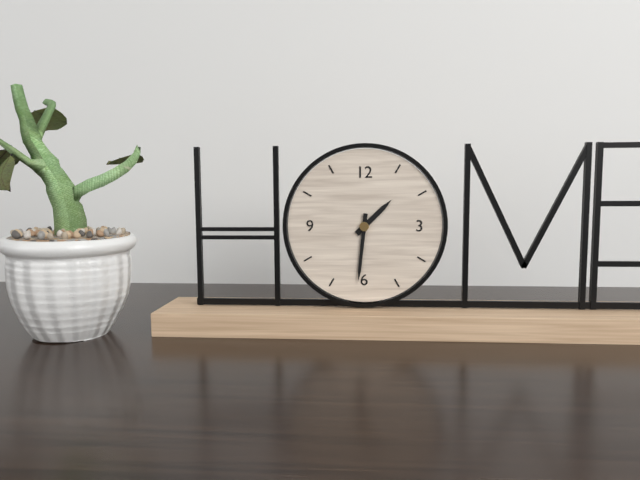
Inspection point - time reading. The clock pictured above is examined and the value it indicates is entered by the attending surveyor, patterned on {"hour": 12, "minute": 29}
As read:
{"hour": 1, "minute": 31}
